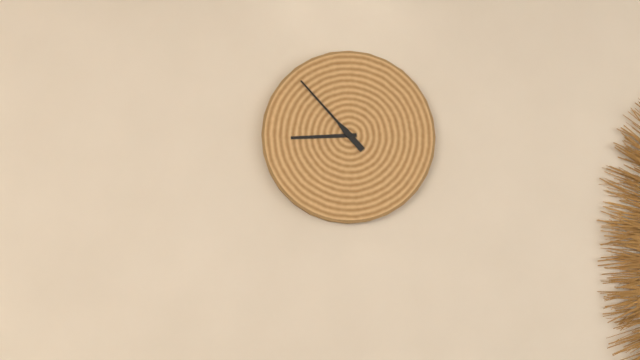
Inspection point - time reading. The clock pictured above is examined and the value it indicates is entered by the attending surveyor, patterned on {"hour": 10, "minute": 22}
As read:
{"hour": 8, "minute": 53}
